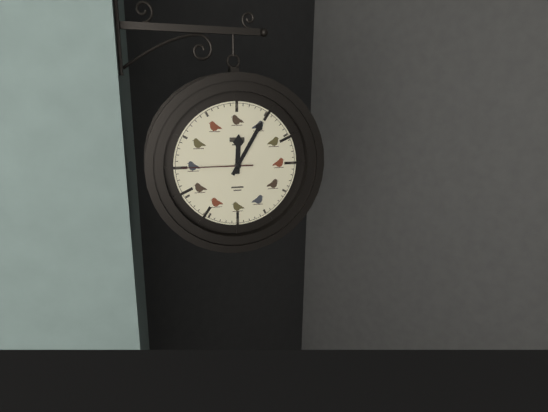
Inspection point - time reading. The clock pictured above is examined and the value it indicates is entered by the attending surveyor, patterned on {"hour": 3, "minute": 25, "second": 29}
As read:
{"hour": 12, "minute": 5, "second": 45}
